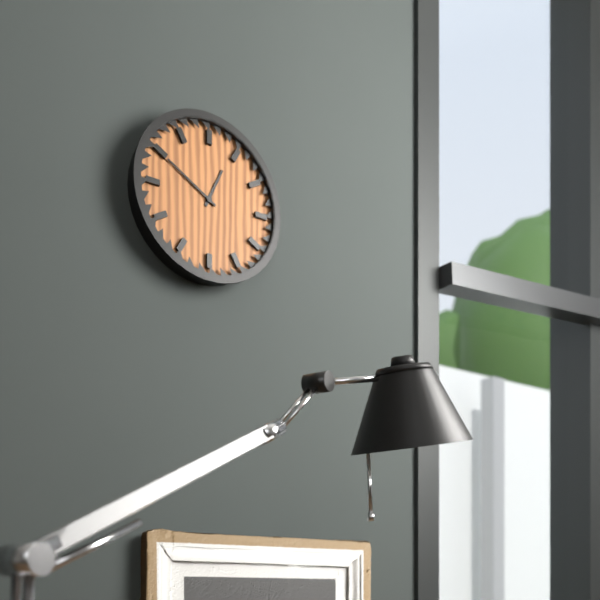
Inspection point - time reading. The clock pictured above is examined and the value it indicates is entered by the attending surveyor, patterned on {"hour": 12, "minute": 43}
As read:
{"hour": 12, "minute": 50}
